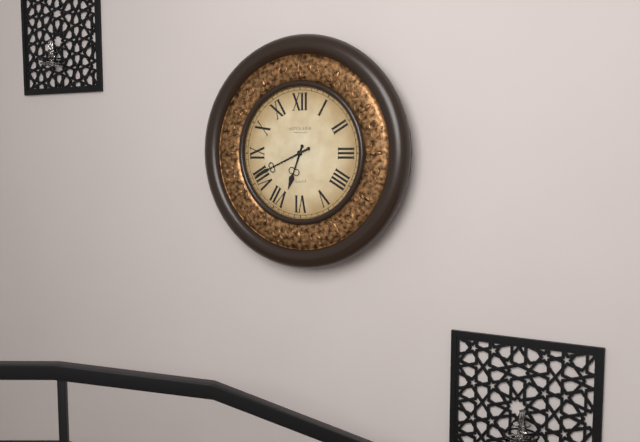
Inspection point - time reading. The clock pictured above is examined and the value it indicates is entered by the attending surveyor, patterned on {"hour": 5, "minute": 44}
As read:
{"hour": 6, "minute": 41}
